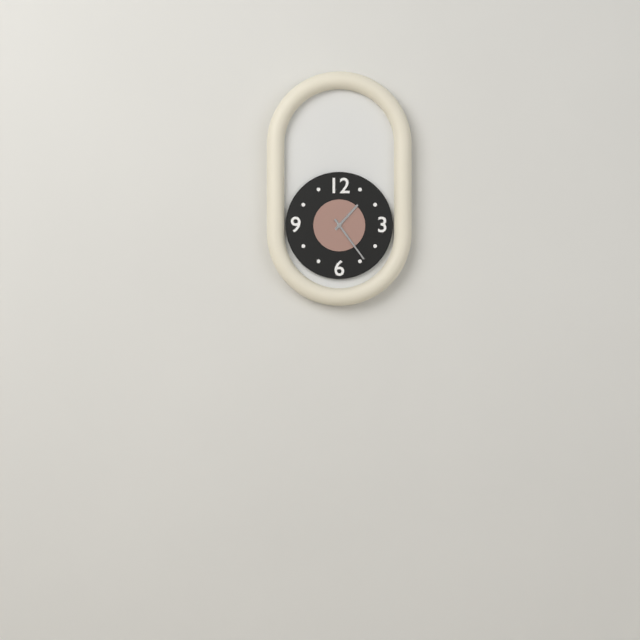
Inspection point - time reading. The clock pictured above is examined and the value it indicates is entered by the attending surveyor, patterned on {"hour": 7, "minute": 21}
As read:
{"hour": 1, "minute": 24}
